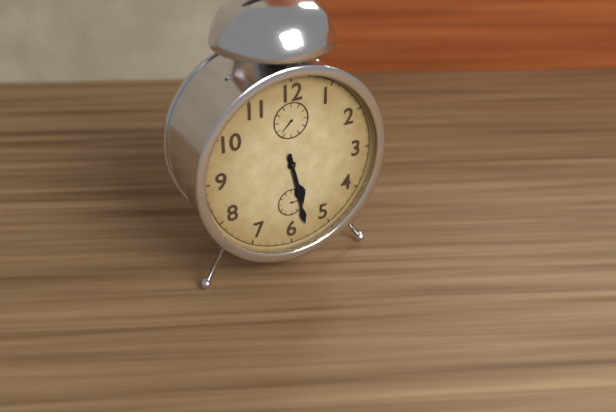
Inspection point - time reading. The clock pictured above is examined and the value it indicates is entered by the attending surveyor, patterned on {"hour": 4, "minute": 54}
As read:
{"hour": 5, "minute": 28}
